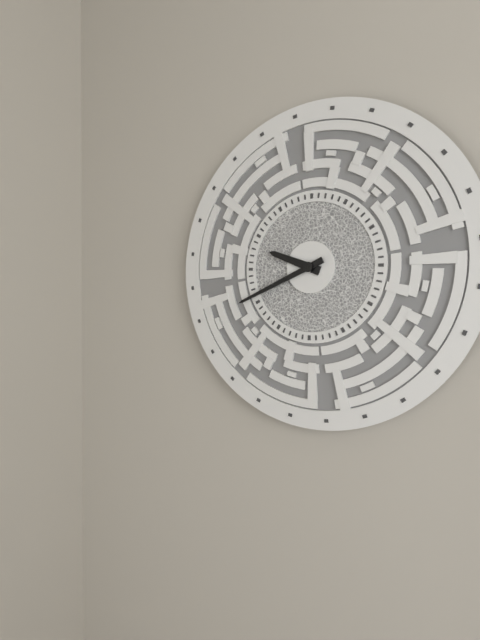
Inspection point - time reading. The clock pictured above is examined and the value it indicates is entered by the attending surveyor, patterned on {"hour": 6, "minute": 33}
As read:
{"hour": 9, "minute": 41}
